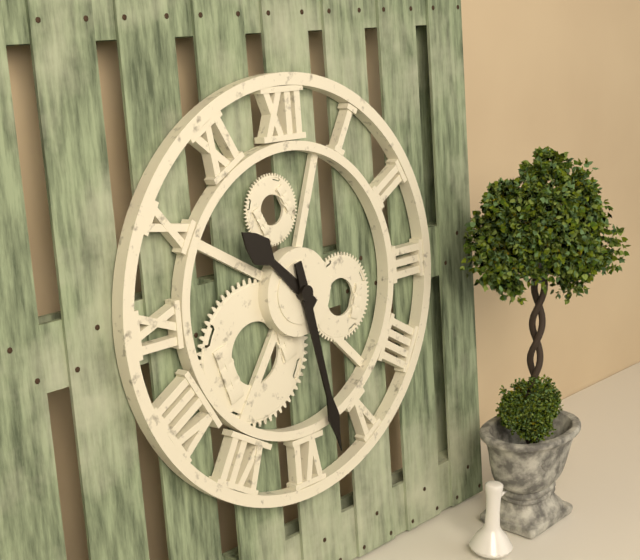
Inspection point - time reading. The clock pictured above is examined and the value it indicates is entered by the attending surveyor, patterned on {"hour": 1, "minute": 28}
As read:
{"hour": 10, "minute": 28}
